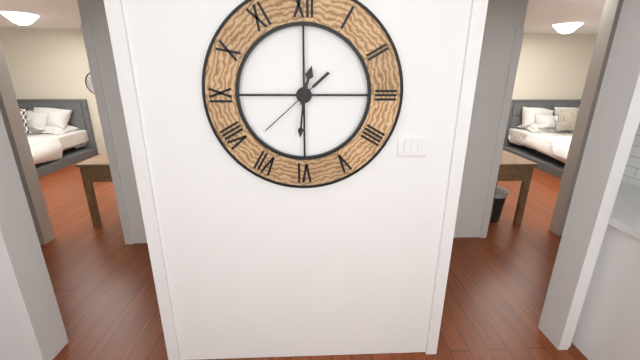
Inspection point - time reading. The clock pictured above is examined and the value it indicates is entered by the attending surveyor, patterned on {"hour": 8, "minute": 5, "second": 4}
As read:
{"hour": 12, "minute": 31, "second": 38}
